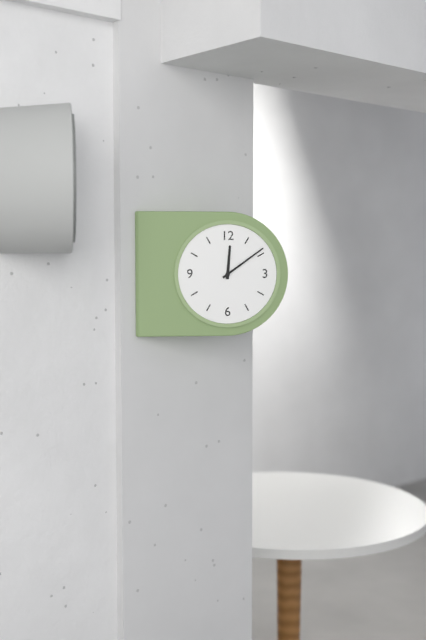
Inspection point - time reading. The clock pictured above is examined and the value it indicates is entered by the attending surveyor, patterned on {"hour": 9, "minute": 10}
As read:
{"hour": 12, "minute": 9}
